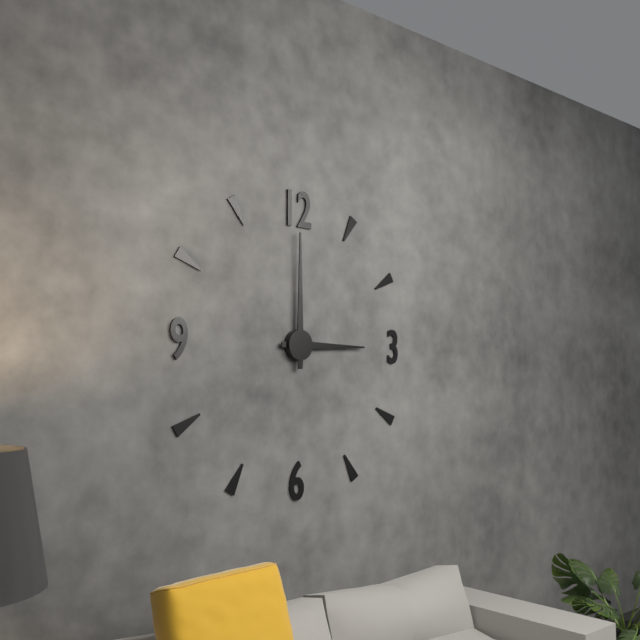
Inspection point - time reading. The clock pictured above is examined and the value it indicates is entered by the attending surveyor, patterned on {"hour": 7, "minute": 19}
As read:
{"hour": 3, "minute": 0}
